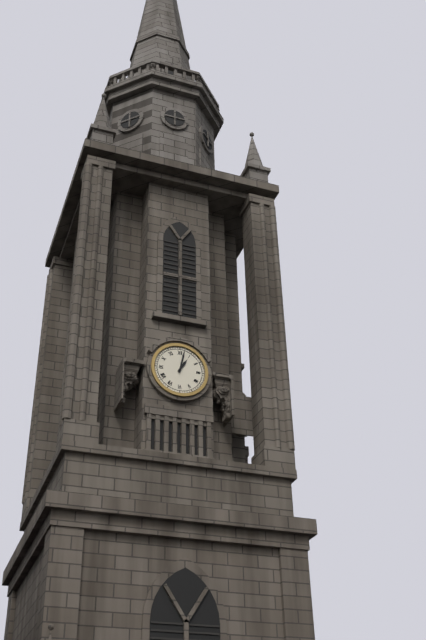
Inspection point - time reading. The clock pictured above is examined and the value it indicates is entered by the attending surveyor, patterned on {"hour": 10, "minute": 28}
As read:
{"hour": 1, "minute": 2}
